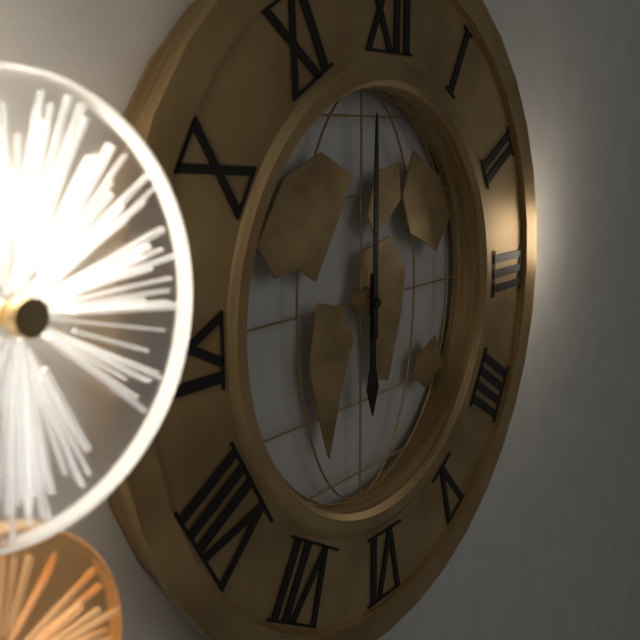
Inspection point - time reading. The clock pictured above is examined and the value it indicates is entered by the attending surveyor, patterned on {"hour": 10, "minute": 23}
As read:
{"hour": 6, "minute": 0}
